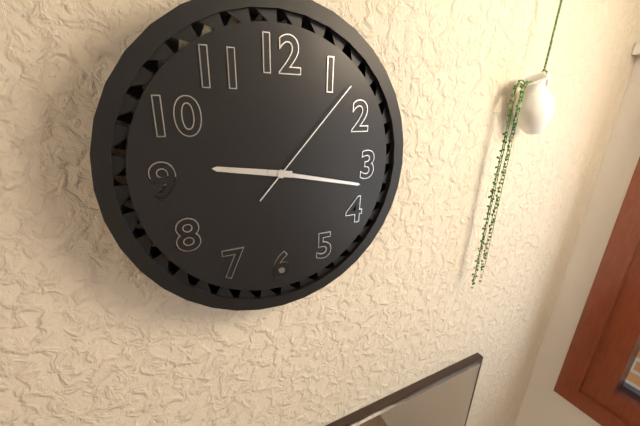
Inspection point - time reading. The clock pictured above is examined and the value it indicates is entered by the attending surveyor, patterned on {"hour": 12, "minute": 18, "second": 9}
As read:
{"hour": 9, "minute": 17, "second": 7}
